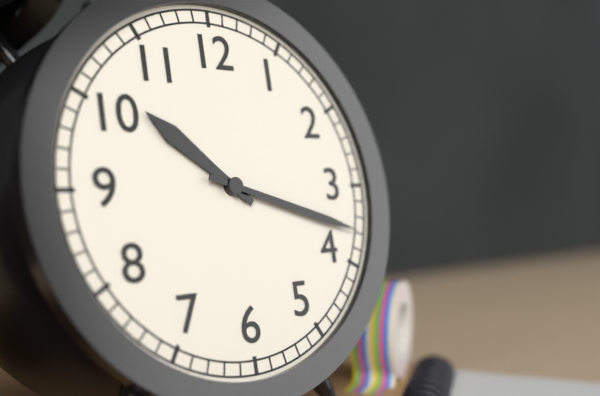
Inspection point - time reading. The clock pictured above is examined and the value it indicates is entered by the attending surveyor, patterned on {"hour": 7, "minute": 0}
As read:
{"hour": 10, "minute": 18}
